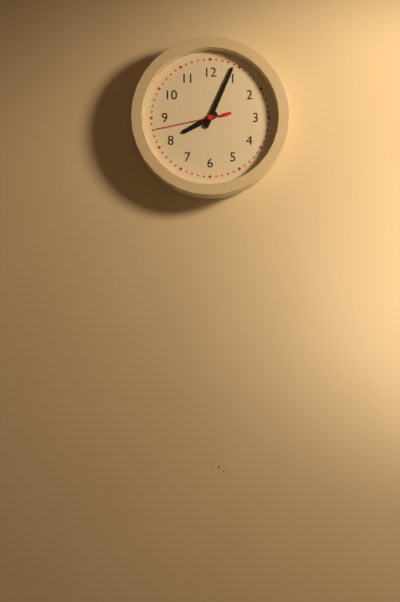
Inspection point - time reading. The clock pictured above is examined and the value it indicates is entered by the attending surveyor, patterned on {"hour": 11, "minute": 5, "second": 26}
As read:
{"hour": 8, "minute": 4, "second": 43}
